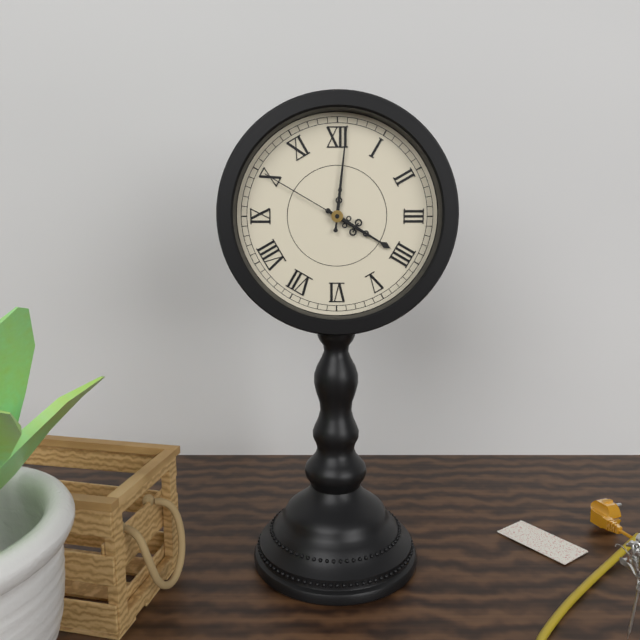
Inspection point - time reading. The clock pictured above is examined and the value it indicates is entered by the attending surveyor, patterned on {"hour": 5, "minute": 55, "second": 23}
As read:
{"hour": 4, "minute": 1, "second": 50}
